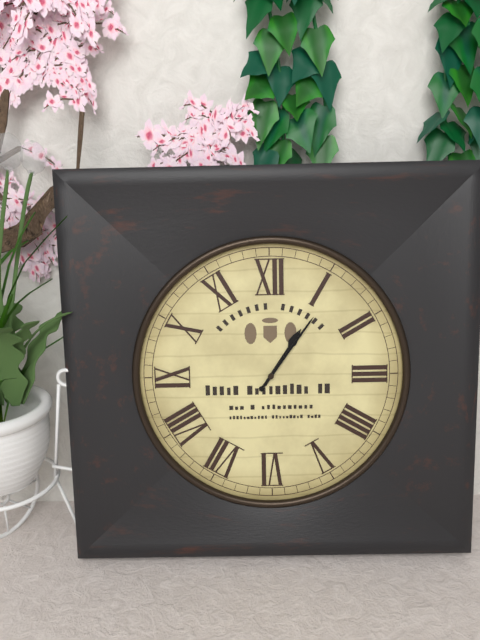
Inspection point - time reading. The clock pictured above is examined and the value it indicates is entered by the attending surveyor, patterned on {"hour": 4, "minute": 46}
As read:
{"hour": 1, "minute": 6}
